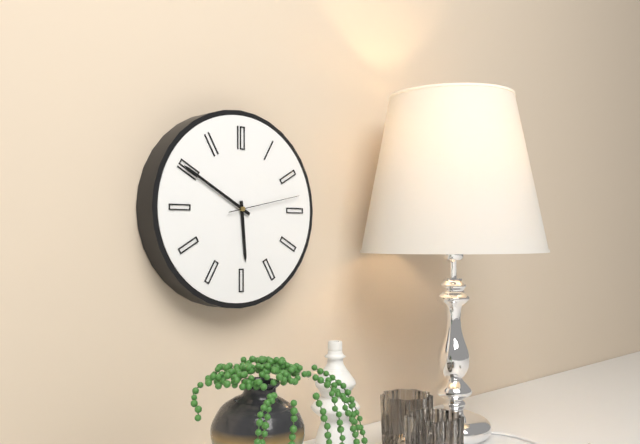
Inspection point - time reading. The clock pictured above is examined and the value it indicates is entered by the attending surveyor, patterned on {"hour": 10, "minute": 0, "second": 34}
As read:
{"hour": 5, "minute": 50, "second": 13}
